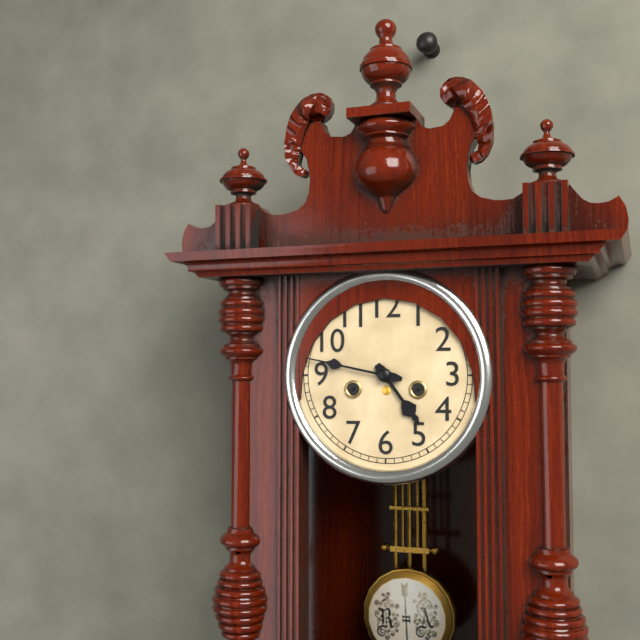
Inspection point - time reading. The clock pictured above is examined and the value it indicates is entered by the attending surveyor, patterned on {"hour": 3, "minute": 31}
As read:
{"hour": 4, "minute": 47}
